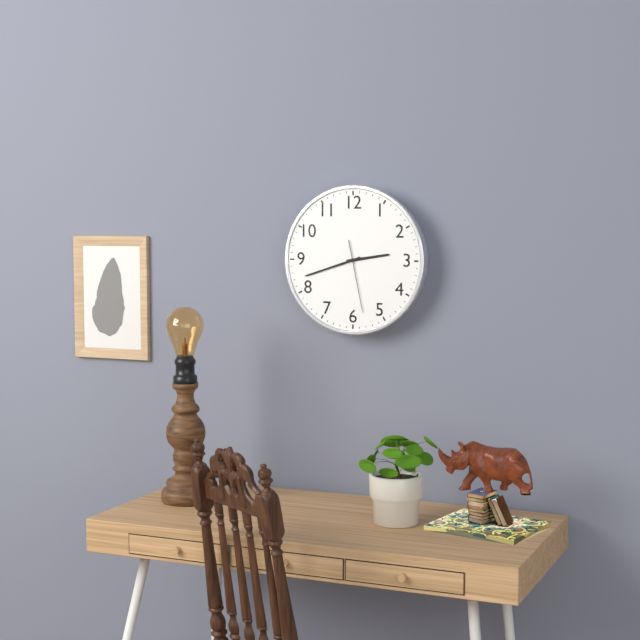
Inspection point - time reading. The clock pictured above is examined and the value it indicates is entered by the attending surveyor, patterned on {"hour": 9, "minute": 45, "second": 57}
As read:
{"hour": 2, "minute": 42, "second": 28}
